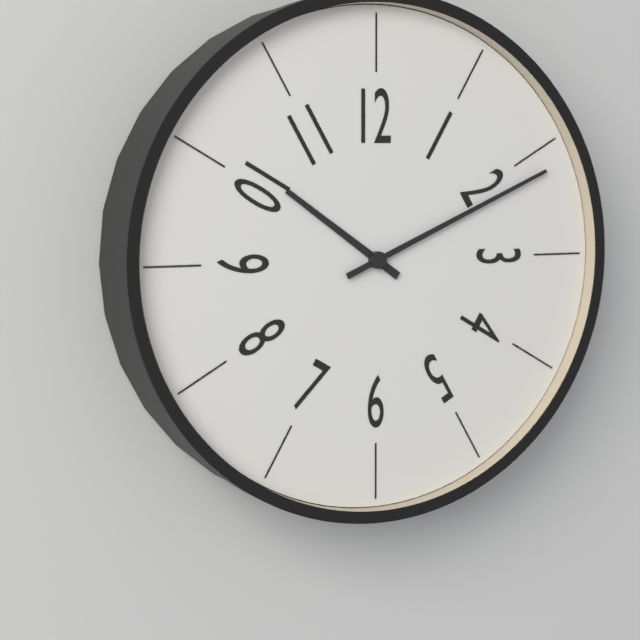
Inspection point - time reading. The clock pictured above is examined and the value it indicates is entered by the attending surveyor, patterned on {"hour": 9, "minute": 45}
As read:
{"hour": 10, "minute": 11}
